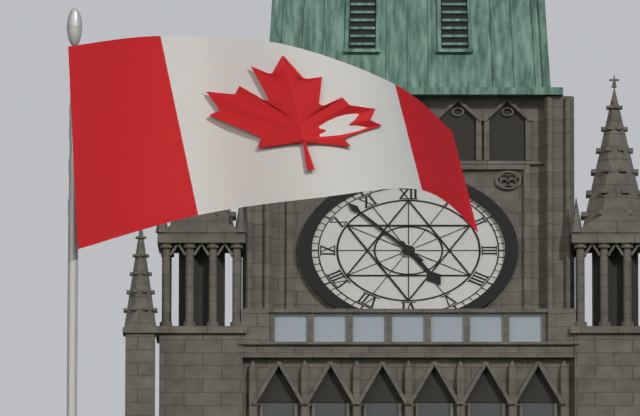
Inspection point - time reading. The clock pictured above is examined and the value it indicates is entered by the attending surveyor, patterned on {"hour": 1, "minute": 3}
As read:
{"hour": 4, "minute": 53}
